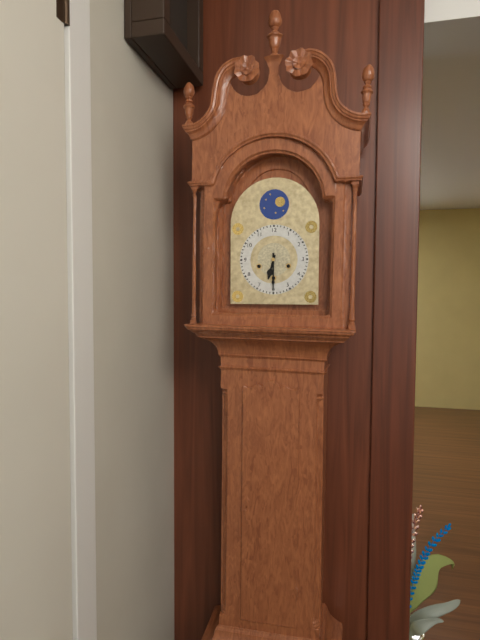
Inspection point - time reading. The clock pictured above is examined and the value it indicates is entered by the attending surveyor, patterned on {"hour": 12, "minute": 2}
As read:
{"hour": 6, "minute": 30}
